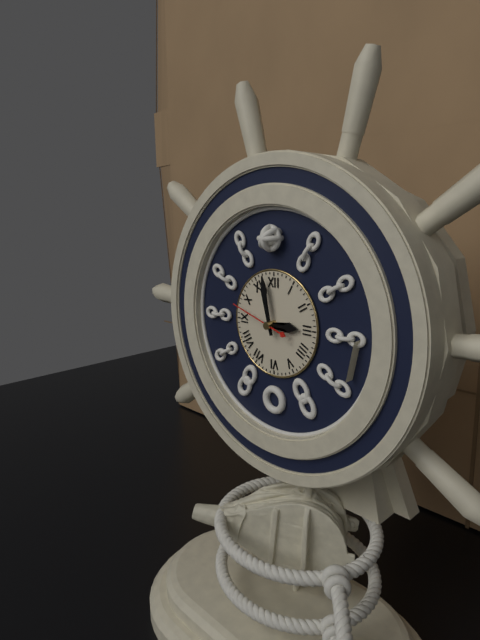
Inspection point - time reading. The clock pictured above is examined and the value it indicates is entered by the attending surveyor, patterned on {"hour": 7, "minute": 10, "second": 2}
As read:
{"hour": 2, "minute": 58, "second": 48}
